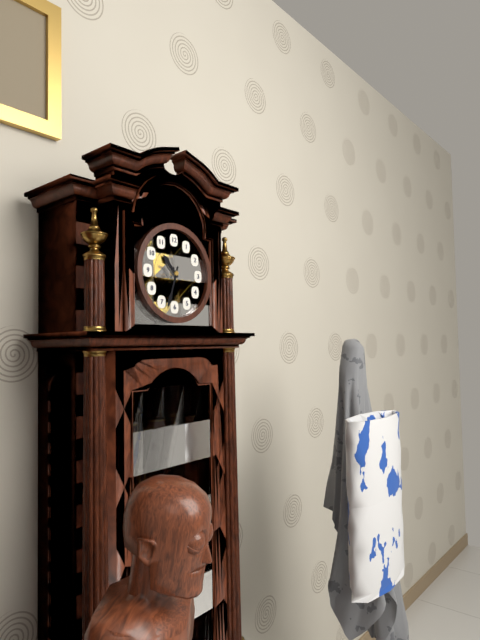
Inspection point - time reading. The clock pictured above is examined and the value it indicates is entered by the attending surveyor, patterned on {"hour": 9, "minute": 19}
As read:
{"hour": 10, "minute": 33}
